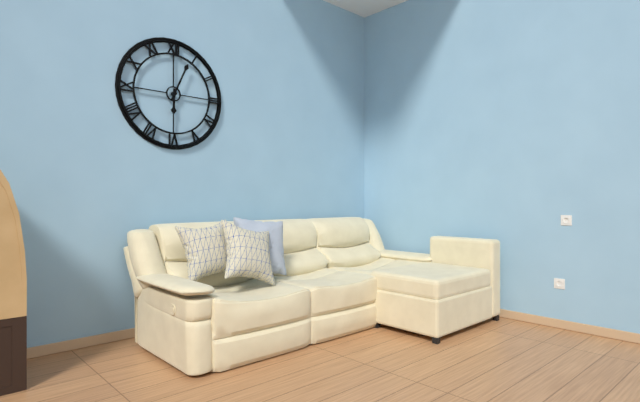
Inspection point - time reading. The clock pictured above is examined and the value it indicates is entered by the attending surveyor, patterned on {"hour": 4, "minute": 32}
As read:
{"hour": 6, "minute": 4}
